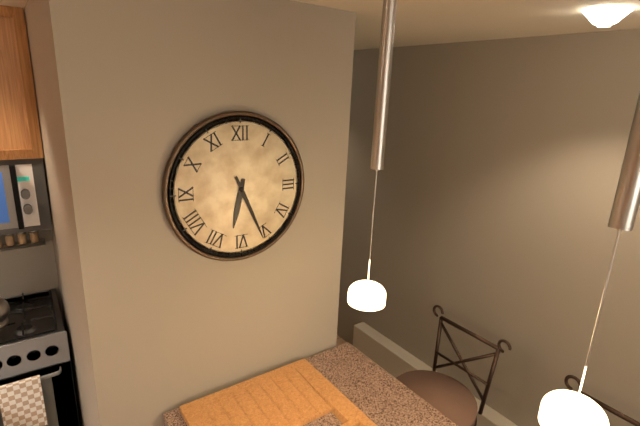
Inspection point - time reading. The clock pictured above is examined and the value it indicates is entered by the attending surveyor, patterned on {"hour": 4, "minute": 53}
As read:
{"hour": 6, "minute": 26}
